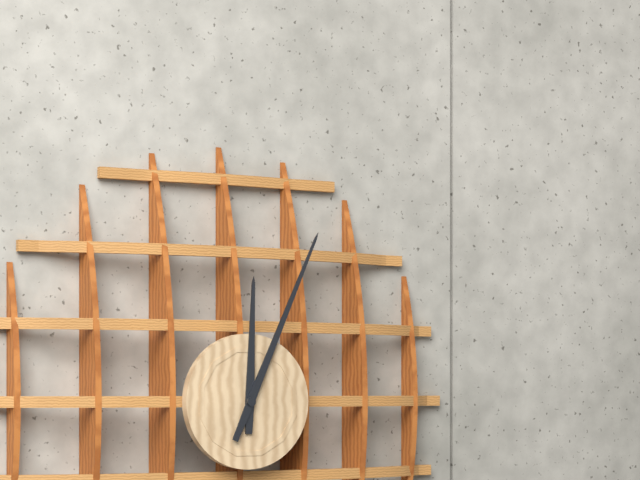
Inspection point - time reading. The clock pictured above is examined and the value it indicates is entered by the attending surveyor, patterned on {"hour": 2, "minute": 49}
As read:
{"hour": 12, "minute": 4}
